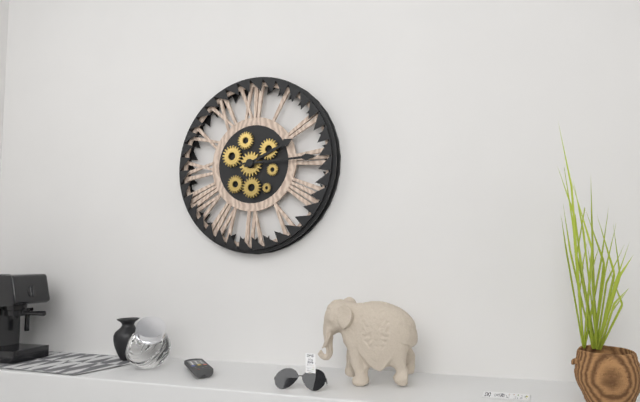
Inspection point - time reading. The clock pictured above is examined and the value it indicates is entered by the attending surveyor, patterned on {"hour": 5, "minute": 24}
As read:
{"hour": 2, "minute": 15}
